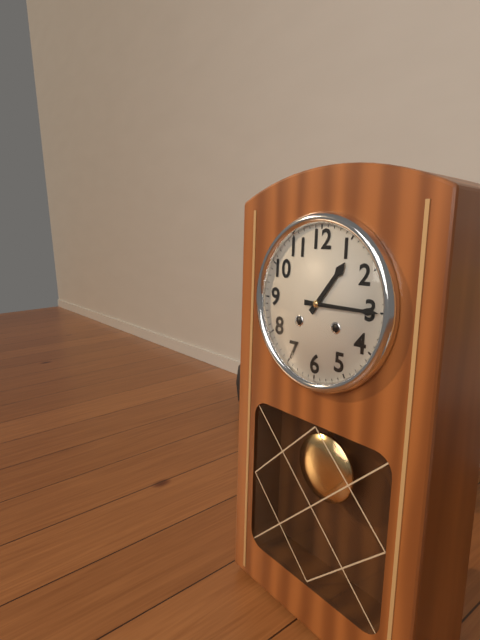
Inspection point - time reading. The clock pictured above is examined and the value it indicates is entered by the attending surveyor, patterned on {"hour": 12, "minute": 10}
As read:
{"hour": 1, "minute": 15}
